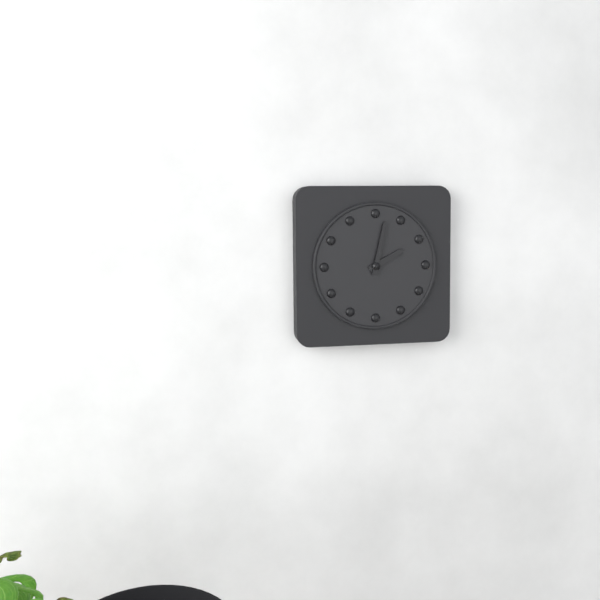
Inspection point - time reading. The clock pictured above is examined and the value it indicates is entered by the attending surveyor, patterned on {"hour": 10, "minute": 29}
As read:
{"hour": 2, "minute": 2}
